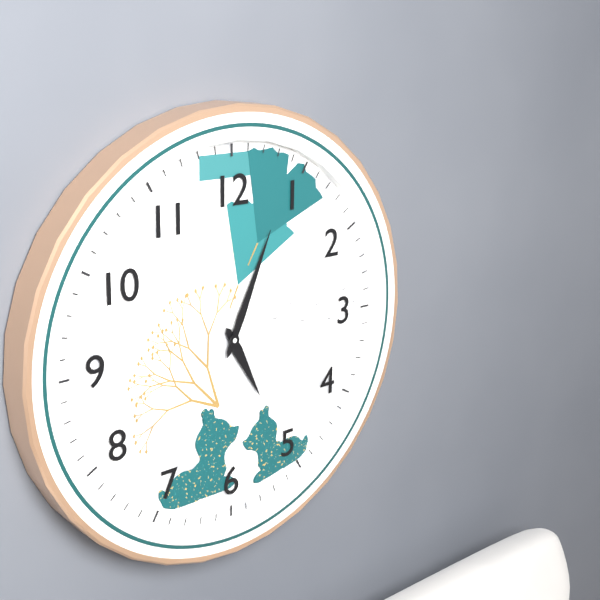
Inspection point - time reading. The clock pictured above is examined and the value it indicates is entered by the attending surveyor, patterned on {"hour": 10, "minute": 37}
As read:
{"hour": 5, "minute": 4}
